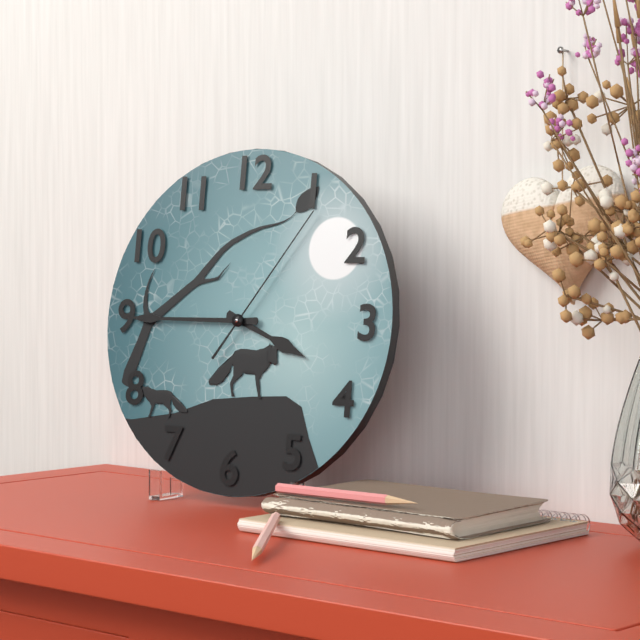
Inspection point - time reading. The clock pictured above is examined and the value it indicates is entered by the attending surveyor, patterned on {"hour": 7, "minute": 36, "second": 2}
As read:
{"hour": 3, "minute": 45, "second": 6}
